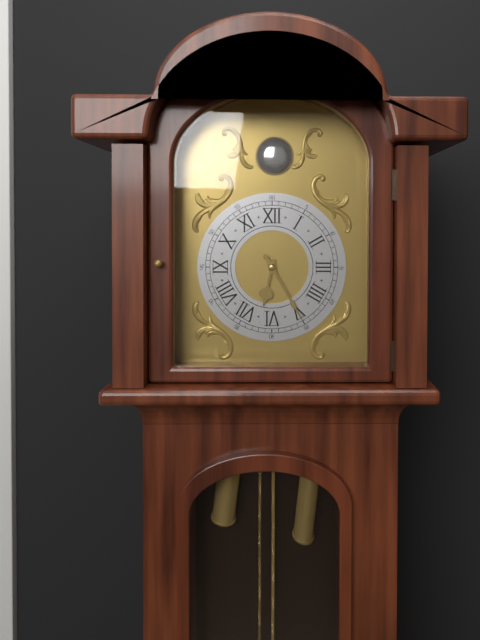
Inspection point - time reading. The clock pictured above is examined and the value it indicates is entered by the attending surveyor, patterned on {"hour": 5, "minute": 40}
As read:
{"hour": 6, "minute": 25}
